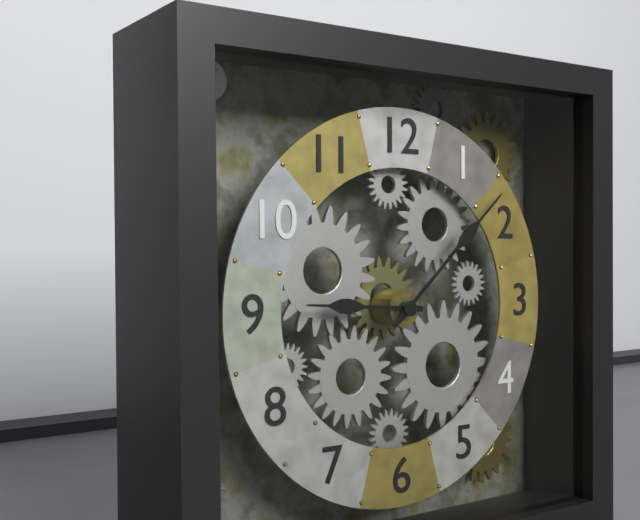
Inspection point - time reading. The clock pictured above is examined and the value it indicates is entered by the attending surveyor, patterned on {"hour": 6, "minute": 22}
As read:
{"hour": 9, "minute": 8}
